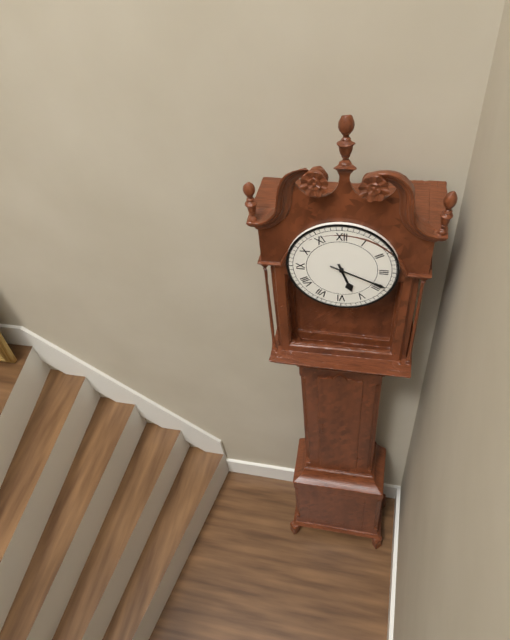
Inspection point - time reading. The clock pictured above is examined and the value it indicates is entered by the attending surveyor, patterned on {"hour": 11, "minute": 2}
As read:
{"hour": 5, "minute": 19}
